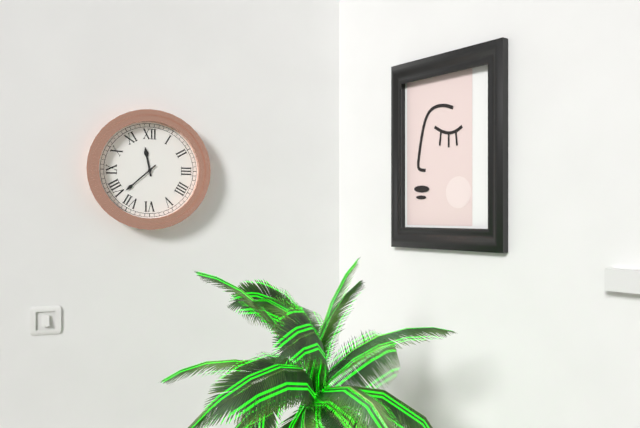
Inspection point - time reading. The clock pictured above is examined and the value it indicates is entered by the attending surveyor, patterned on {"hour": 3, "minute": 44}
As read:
{"hour": 11, "minute": 38}
